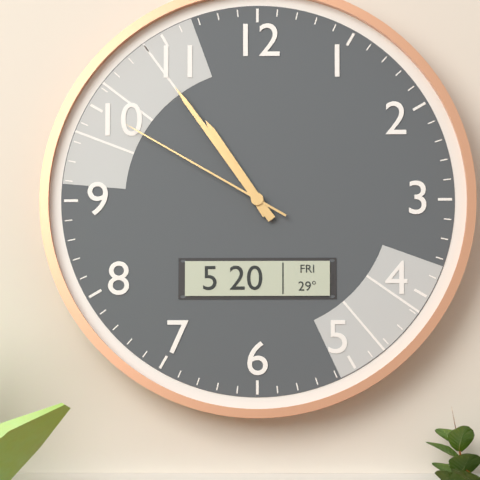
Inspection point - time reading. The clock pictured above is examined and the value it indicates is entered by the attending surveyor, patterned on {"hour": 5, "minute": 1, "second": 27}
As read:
{"hour": 10, "minute": 54, "second": 50}
